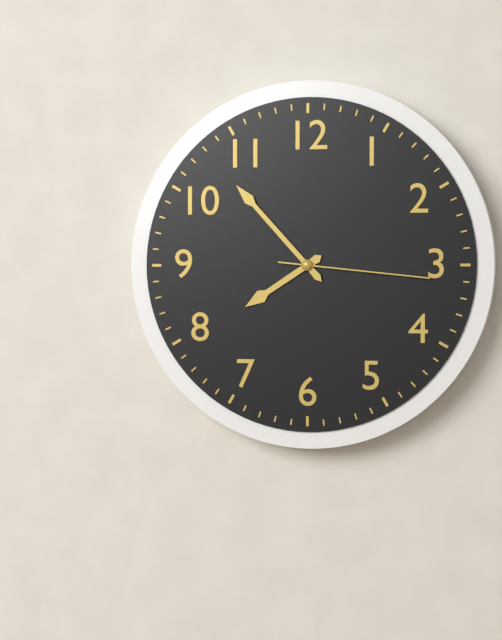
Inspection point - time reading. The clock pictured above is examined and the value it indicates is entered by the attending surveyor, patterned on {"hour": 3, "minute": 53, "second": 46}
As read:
{"hour": 7, "minute": 53, "second": 16}
